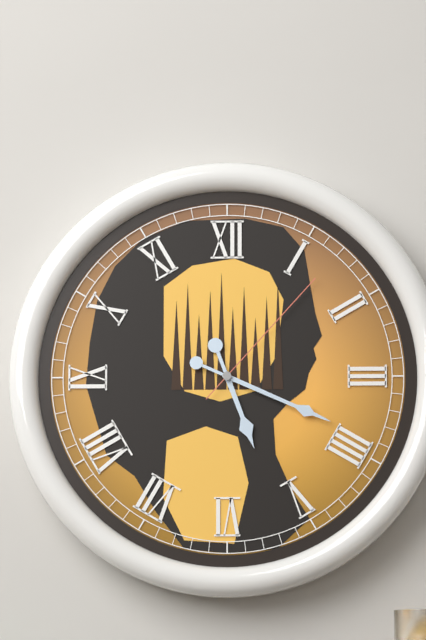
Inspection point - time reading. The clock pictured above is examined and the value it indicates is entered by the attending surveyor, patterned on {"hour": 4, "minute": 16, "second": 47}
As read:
{"hour": 5, "minute": 19, "second": 7}
